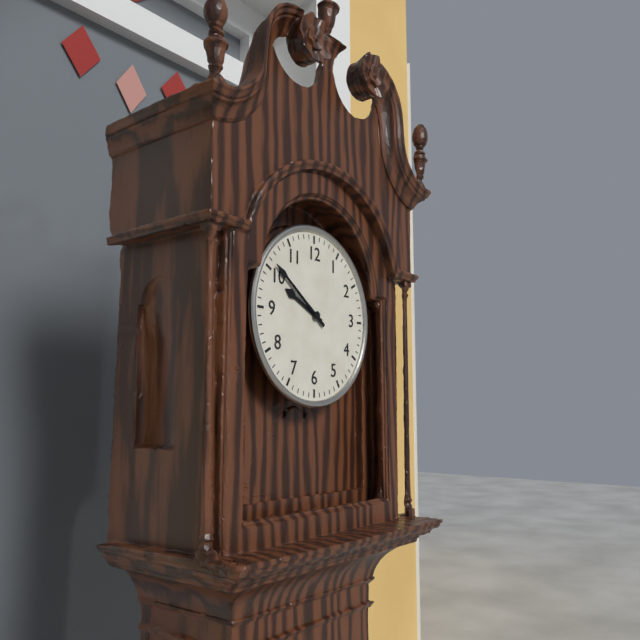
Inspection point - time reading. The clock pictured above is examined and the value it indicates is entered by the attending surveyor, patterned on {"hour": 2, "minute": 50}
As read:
{"hour": 9, "minute": 51}
